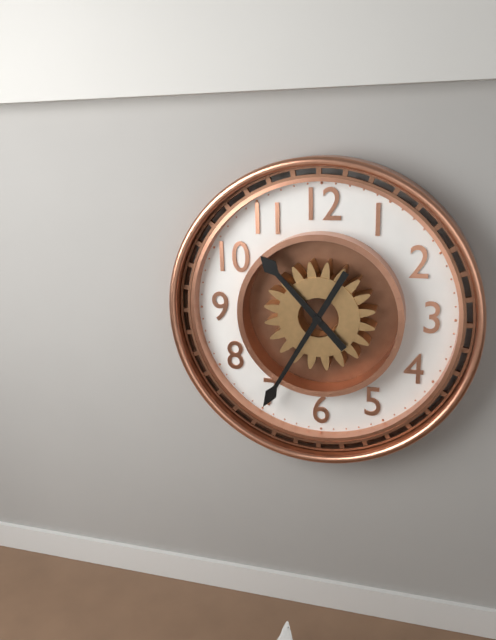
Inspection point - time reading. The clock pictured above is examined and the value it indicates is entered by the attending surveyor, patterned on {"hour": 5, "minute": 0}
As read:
{"hour": 10, "minute": 35}
